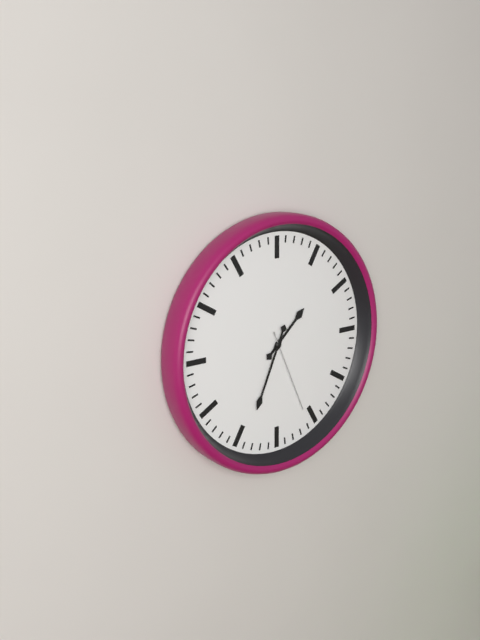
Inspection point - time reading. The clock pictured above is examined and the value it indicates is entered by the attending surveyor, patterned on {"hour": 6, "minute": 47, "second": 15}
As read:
{"hour": 1, "minute": 34, "second": 26}
